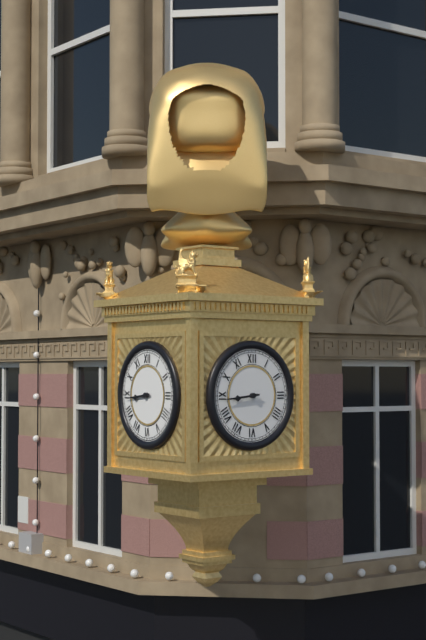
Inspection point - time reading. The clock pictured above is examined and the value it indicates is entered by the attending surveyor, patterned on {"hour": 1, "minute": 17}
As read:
{"hour": 8, "minute": 44}
